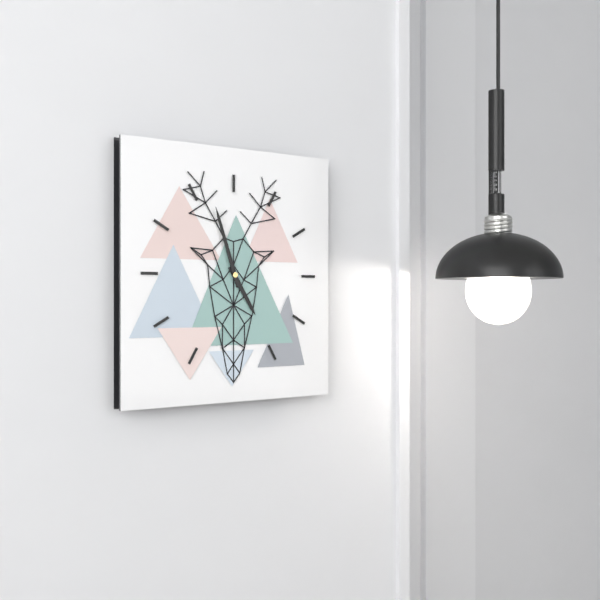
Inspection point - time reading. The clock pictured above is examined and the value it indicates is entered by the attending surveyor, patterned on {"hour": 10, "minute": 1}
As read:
{"hour": 4, "minute": 57}
